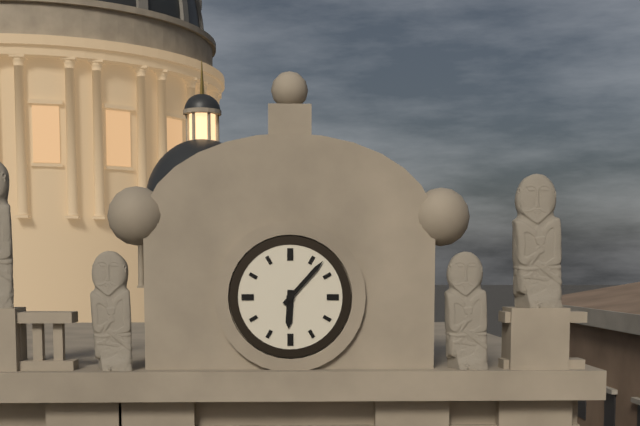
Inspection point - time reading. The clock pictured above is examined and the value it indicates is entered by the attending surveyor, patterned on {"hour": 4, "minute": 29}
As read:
{"hour": 6, "minute": 7}
